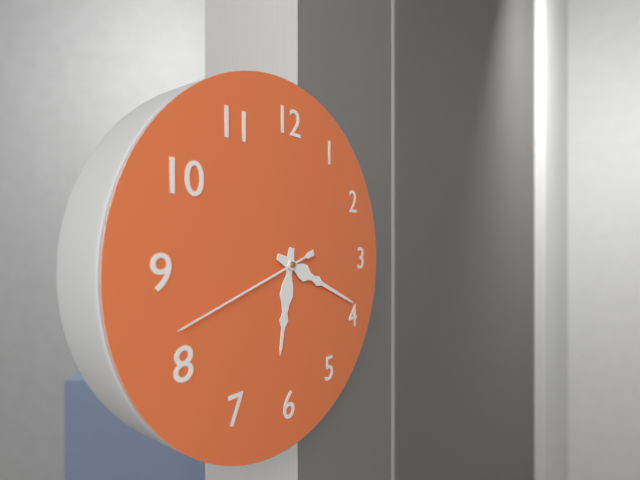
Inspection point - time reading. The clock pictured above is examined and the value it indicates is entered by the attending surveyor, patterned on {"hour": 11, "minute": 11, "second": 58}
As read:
{"hour": 6, "minute": 19, "second": 42}
